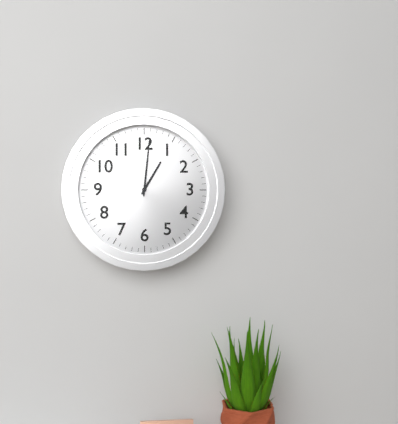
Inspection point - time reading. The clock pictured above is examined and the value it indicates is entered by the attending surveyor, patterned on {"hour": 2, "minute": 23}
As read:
{"hour": 1, "minute": 1}
